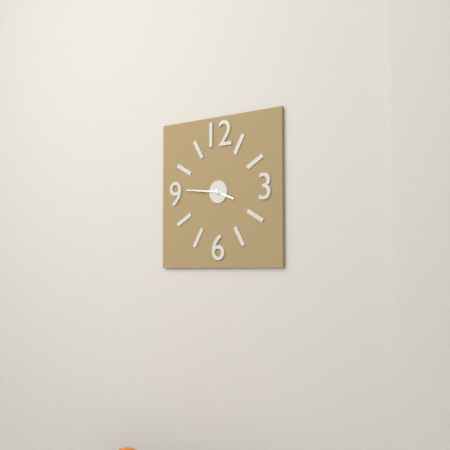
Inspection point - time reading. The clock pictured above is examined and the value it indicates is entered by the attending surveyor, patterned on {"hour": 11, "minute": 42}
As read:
{"hour": 3, "minute": 46}
